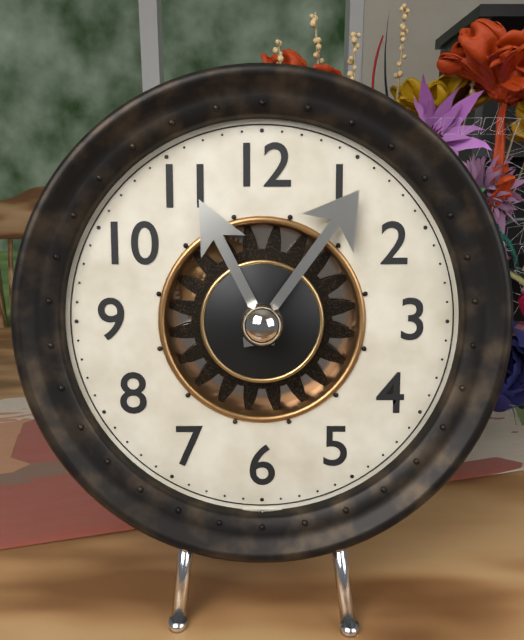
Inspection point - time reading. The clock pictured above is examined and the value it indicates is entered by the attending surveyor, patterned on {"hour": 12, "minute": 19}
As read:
{"hour": 11, "minute": 6}
